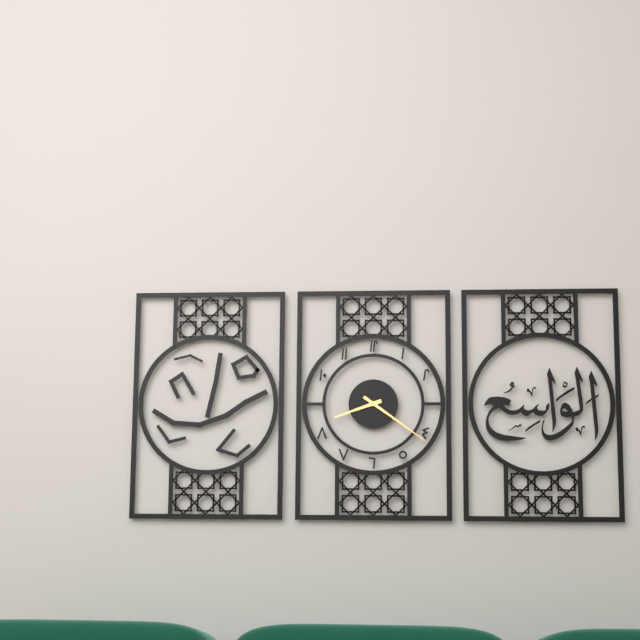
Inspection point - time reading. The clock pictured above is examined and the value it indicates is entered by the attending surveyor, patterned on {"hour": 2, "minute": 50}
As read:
{"hour": 8, "minute": 21}
